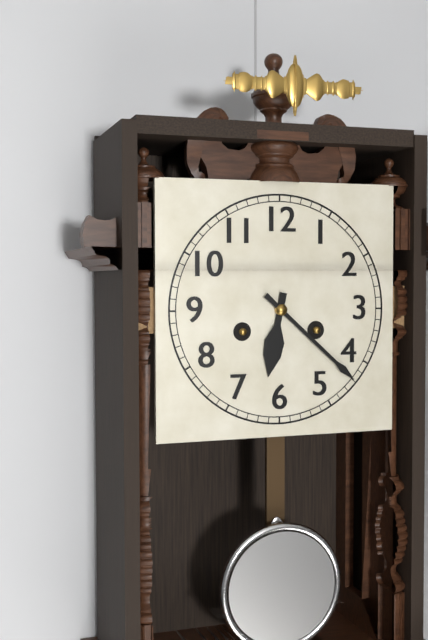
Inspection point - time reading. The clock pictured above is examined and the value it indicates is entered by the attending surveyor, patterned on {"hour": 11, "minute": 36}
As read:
{"hour": 6, "minute": 22}
